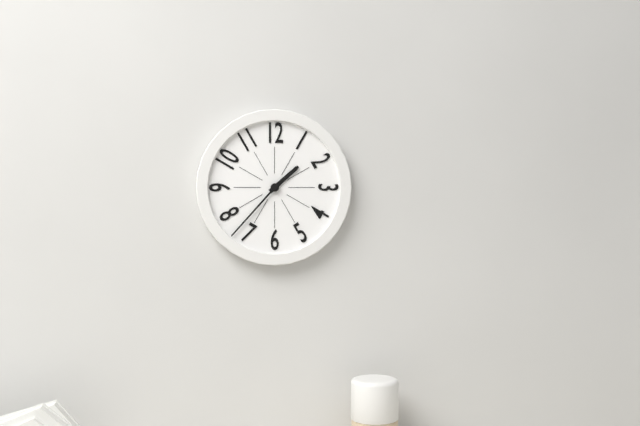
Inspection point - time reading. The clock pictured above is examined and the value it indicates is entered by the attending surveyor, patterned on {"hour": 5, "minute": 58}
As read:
{"hour": 1, "minute": 37}
